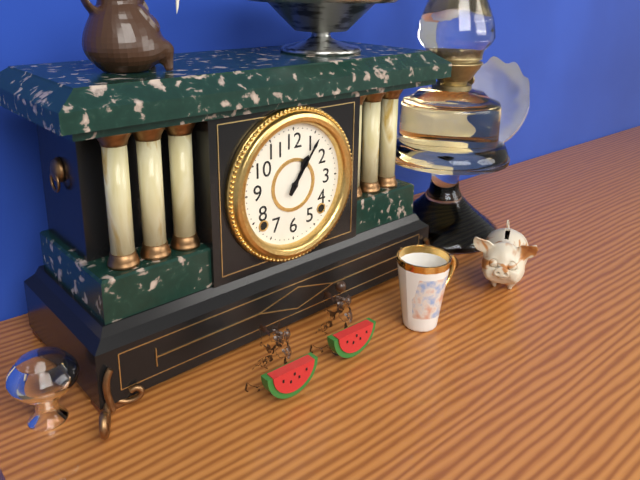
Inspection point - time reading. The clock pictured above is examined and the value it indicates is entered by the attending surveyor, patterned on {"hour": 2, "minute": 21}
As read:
{"hour": 1, "minute": 6}
